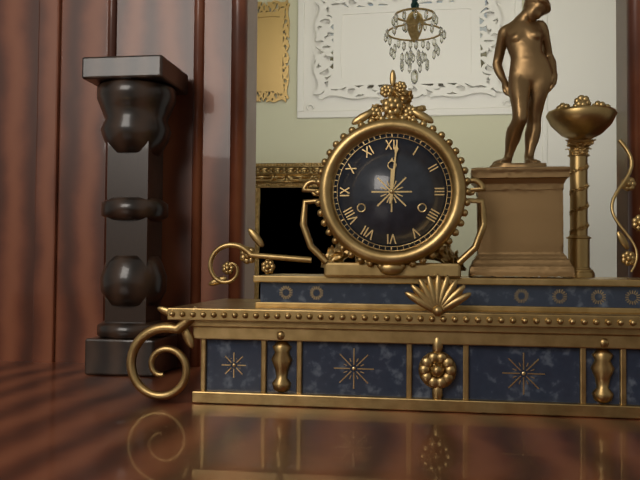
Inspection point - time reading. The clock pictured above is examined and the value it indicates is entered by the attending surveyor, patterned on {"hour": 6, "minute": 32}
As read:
{"hour": 12, "minute": 1}
